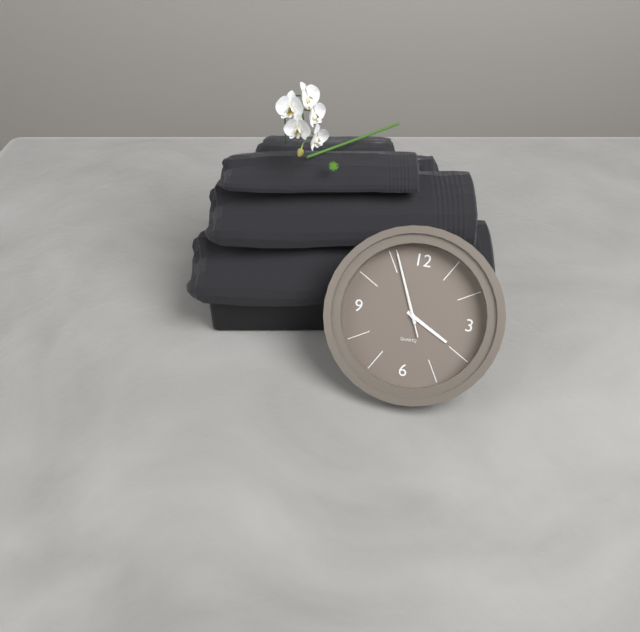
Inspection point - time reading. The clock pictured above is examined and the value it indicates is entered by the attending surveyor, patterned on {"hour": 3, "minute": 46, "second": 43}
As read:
{"hour": 3, "minute": 56, "second": 56}
